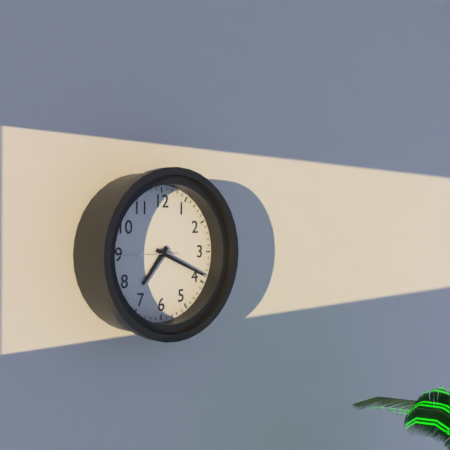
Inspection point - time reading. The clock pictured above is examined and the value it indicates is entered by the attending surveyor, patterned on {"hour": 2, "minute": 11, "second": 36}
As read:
{"hour": 7, "minute": 19, "second": 45}
